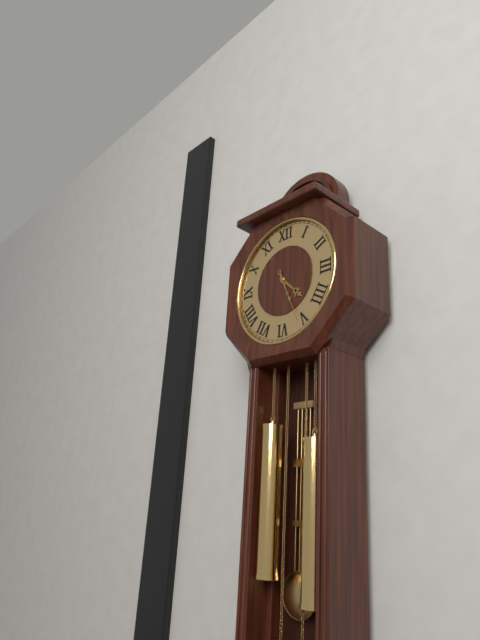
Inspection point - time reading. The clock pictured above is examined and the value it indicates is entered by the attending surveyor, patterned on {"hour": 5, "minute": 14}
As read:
{"hour": 4, "minute": 26}
